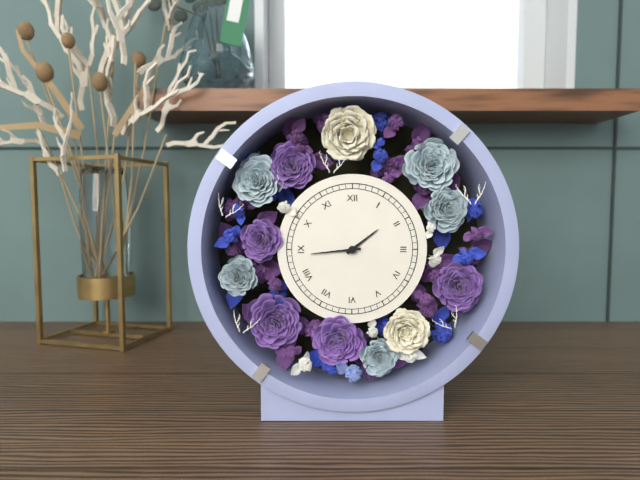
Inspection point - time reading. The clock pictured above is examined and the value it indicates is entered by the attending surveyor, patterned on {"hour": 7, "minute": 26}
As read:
{"hour": 1, "minute": 44}
